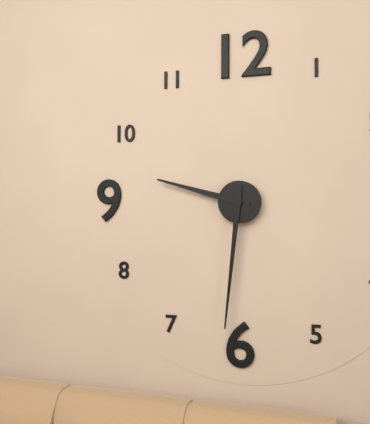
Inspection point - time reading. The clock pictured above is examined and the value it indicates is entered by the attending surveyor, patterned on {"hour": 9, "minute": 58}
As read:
{"hour": 9, "minute": 31}
